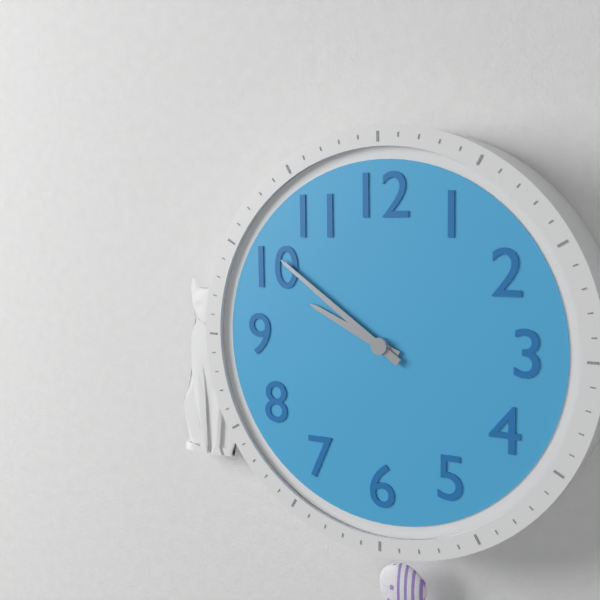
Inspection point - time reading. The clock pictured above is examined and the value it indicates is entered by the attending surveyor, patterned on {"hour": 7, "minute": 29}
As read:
{"hour": 9, "minute": 51}
